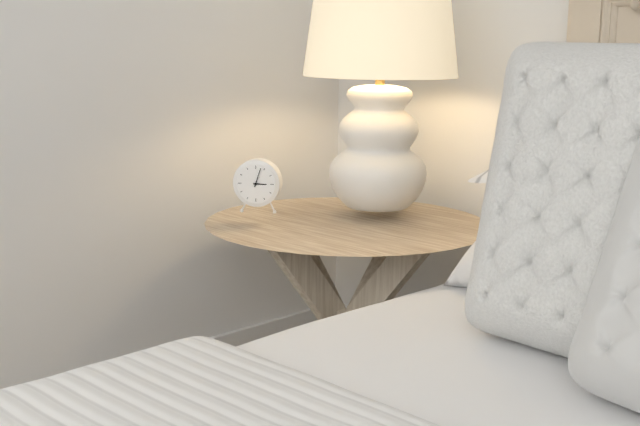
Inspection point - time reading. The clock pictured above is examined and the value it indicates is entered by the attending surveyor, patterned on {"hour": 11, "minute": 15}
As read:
{"hour": 3, "minute": 3}
